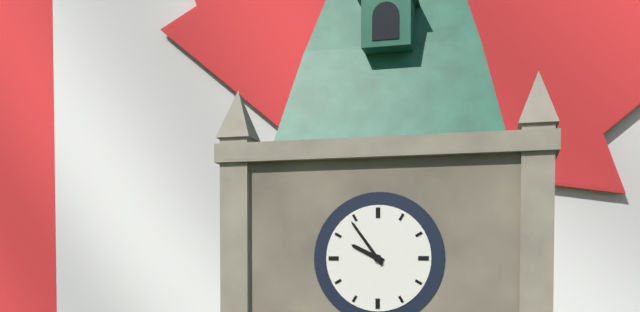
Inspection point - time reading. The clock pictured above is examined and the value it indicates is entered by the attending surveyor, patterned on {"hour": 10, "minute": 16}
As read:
{"hour": 9, "minute": 54}
